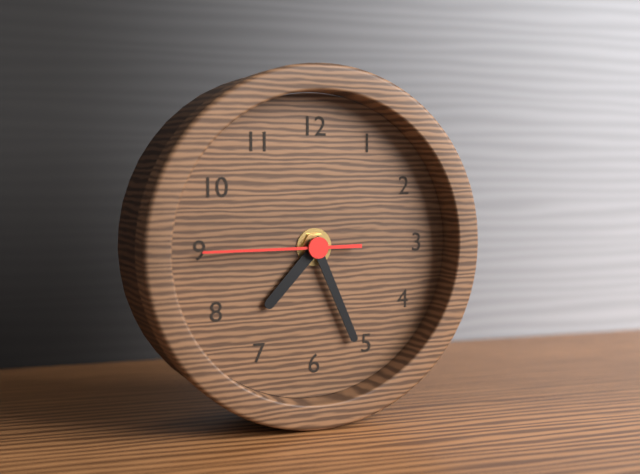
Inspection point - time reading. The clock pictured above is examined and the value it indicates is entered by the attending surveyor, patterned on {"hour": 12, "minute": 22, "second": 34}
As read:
{"hour": 7, "minute": 26, "second": 45}
